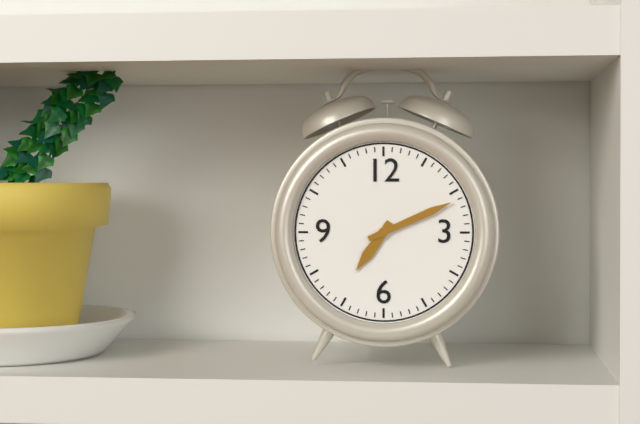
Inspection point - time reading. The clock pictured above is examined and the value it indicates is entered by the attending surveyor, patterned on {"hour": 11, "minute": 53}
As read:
{"hour": 7, "minute": 11}
